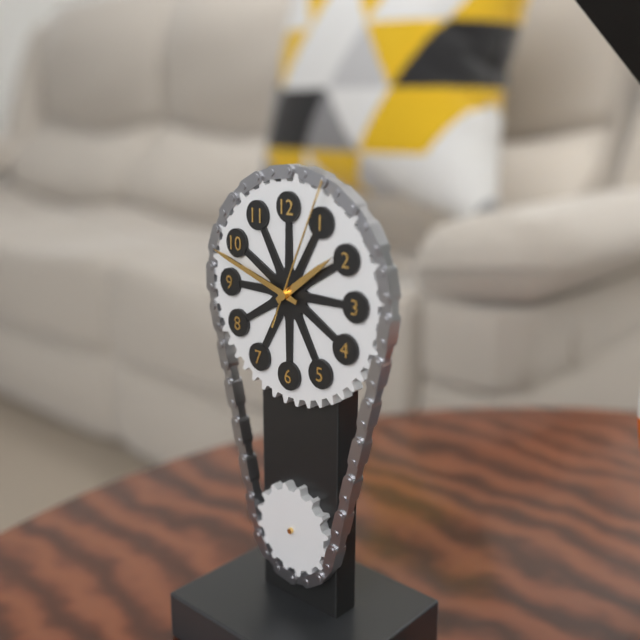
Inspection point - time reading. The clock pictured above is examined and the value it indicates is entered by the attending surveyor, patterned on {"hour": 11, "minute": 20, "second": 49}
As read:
{"hour": 1, "minute": 48, "second": 4}
